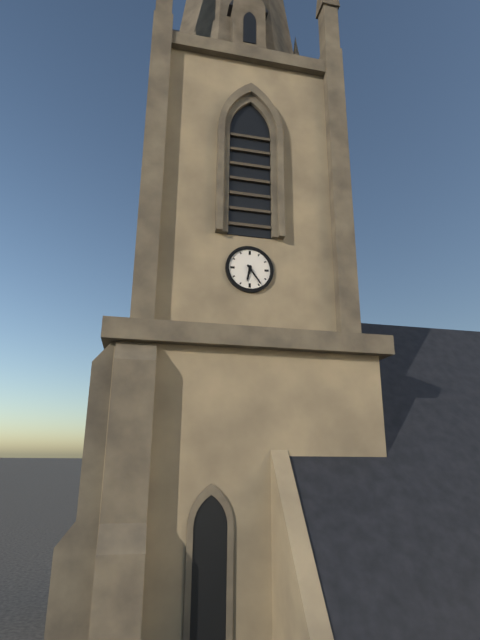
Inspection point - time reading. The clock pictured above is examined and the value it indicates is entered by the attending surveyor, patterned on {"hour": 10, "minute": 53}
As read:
{"hour": 6, "minute": 24}
